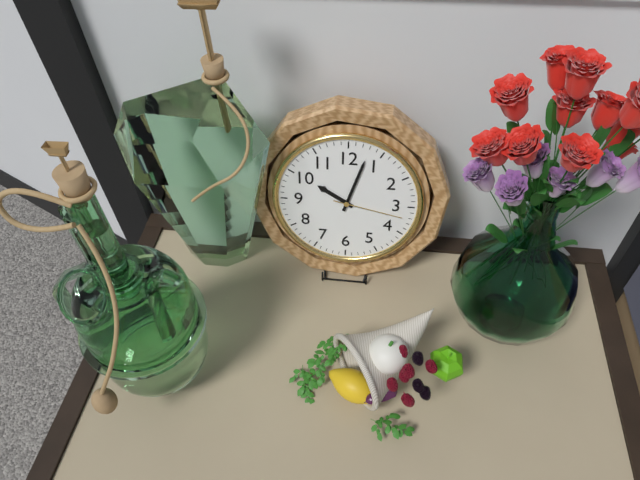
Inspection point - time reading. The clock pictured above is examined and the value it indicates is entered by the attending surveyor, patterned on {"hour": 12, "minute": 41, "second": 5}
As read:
{"hour": 10, "minute": 3, "second": 17}
